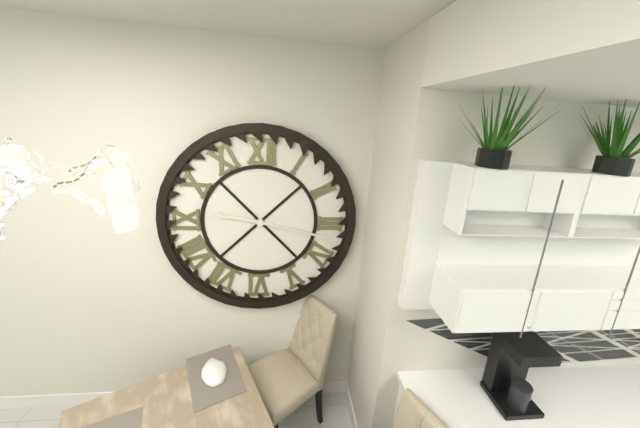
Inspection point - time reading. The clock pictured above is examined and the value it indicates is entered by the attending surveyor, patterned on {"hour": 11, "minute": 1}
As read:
{"hour": 9, "minute": 17}
